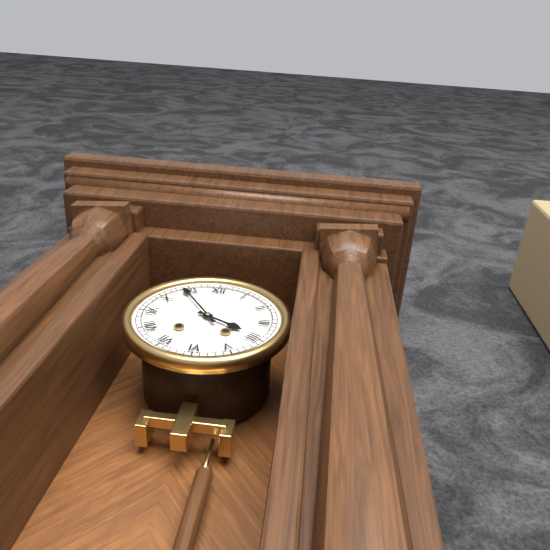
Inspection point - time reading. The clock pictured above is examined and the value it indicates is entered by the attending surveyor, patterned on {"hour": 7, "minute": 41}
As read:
{"hour": 3, "minute": 54}
